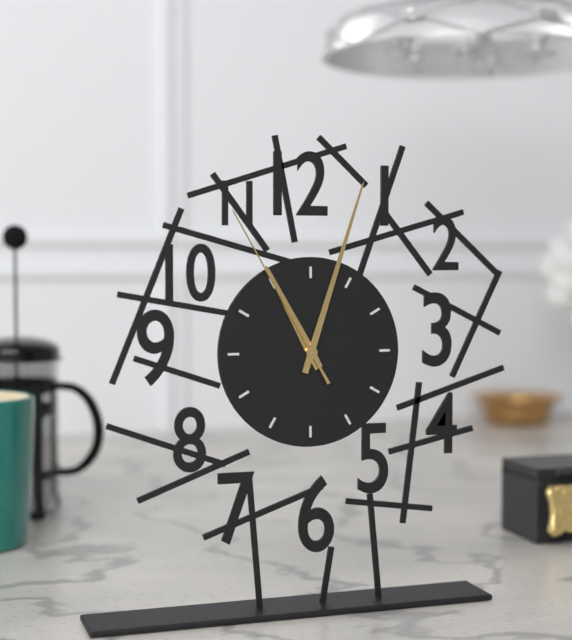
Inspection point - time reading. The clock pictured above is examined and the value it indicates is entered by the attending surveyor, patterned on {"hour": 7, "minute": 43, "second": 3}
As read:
{"hour": 11, "minute": 3, "second": 55}
